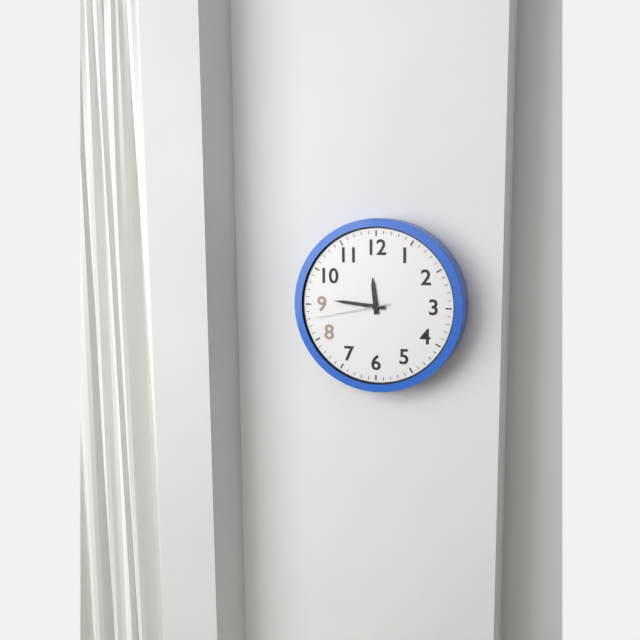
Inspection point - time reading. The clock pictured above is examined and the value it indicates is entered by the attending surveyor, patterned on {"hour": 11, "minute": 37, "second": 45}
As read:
{"hour": 11, "minute": 46, "second": 43}
